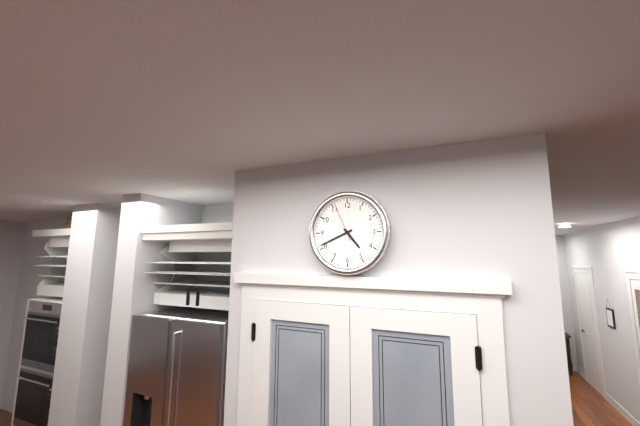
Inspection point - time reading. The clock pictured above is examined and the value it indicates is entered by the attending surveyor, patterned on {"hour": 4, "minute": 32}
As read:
{"hour": 4, "minute": 41}
